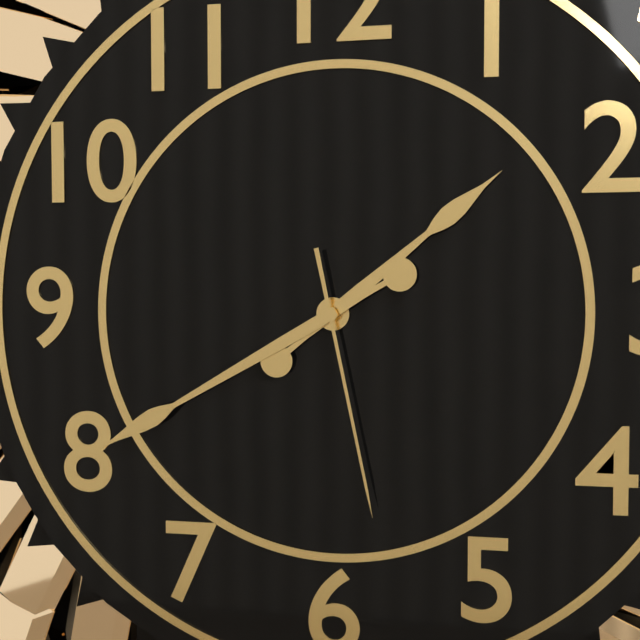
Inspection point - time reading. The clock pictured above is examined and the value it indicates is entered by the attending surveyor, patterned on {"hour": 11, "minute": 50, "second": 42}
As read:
{"hour": 1, "minute": 40, "second": 28}
